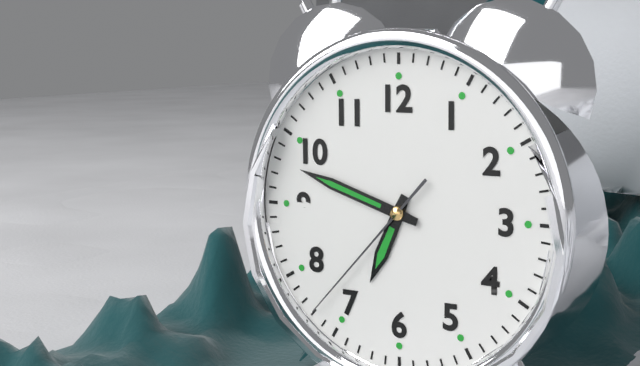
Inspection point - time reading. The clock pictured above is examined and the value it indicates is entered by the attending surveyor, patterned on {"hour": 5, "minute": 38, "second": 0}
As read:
{"hour": 6, "minute": 48, "second": 37}
